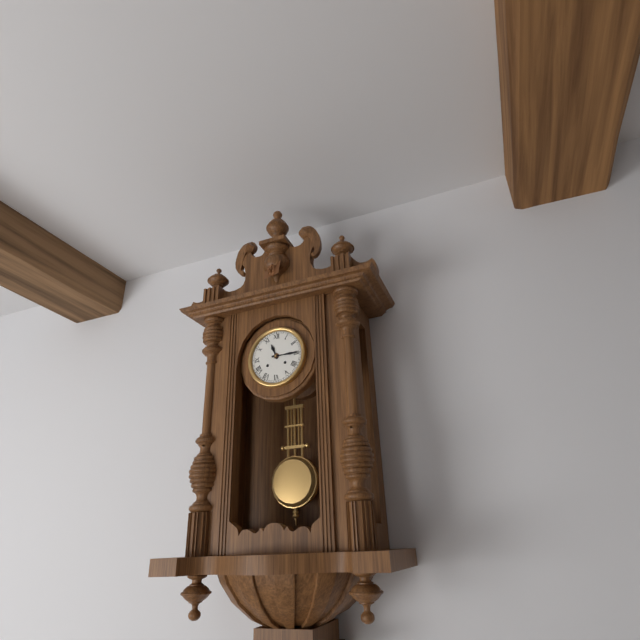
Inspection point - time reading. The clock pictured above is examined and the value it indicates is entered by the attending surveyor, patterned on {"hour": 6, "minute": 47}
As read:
{"hour": 11, "minute": 15}
